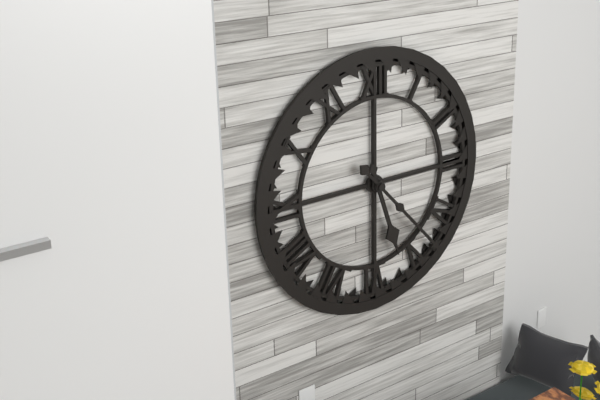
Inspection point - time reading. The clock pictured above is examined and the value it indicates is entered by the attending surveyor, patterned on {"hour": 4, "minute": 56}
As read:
{"hour": 5, "minute": 23}
